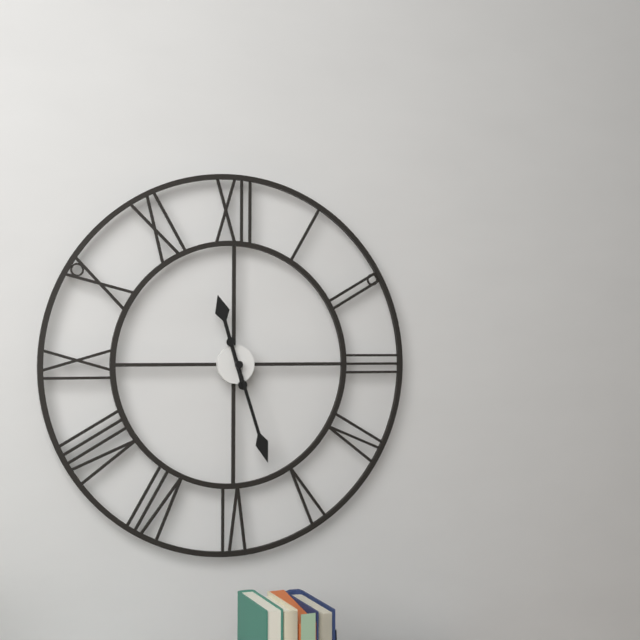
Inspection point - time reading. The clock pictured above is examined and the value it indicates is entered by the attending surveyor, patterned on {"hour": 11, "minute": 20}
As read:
{"hour": 11, "minute": 27}
